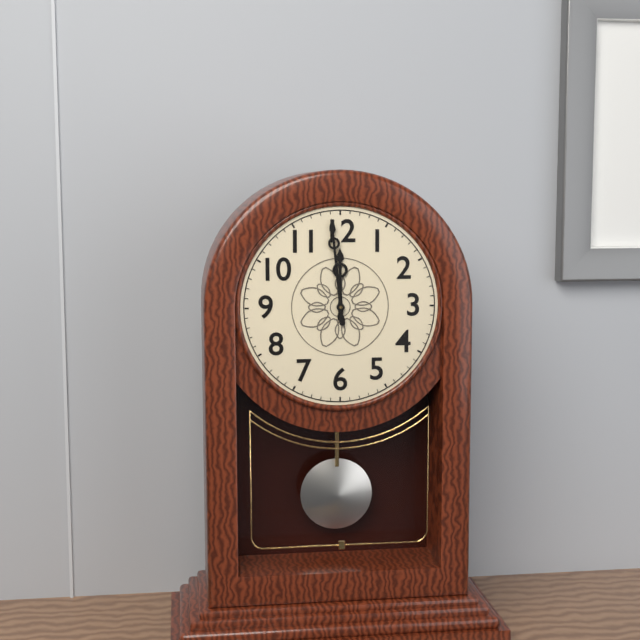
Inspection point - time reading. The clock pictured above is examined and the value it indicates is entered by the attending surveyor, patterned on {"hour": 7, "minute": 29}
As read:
{"hour": 11, "minute": 59}
